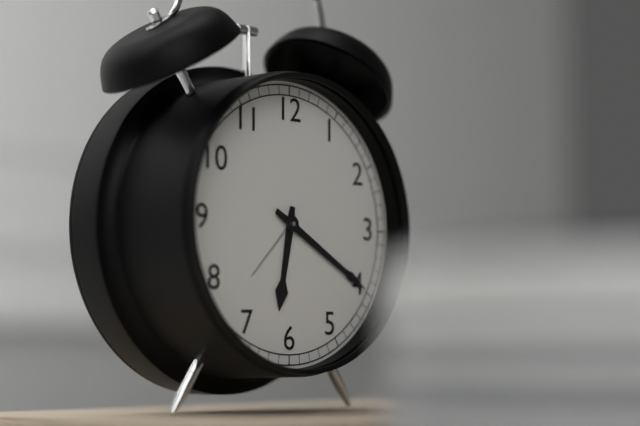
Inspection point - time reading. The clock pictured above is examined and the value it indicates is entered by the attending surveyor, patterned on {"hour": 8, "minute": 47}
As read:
{"hour": 6, "minute": 20}
